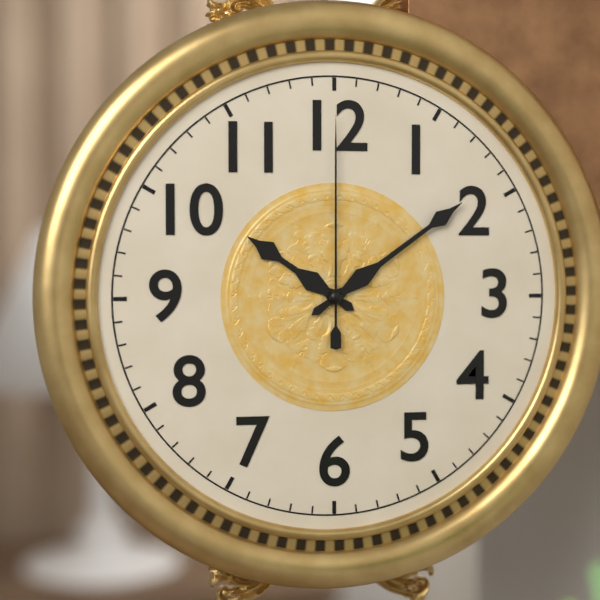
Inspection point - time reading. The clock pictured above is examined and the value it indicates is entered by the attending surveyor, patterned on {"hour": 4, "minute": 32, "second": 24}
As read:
{"hour": 10, "minute": 9, "second": 0}
